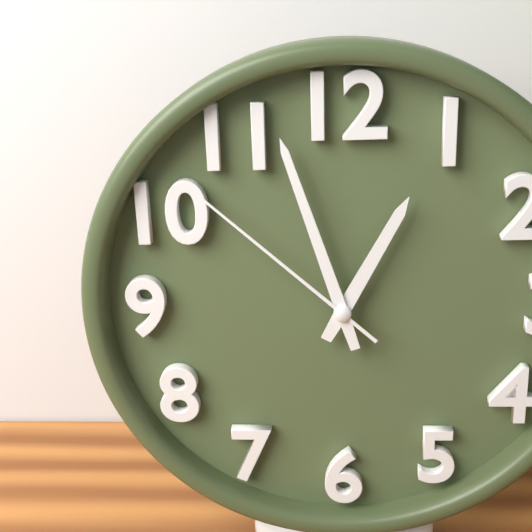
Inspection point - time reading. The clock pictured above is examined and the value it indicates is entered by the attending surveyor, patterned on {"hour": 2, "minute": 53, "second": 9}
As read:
{"hour": 12, "minute": 57, "second": 52}
